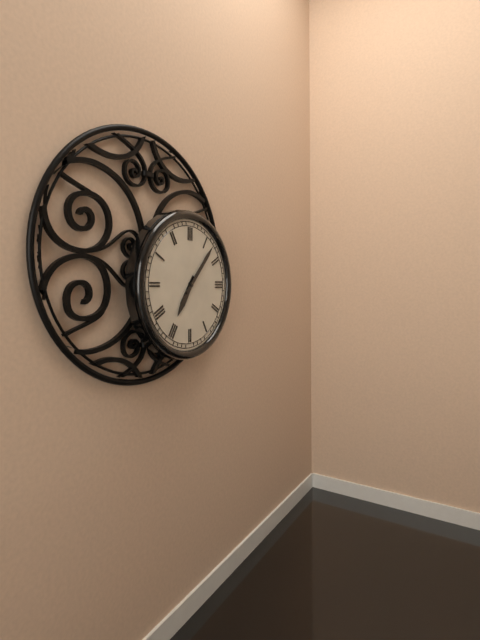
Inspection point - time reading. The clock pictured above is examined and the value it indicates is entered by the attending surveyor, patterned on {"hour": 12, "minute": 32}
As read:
{"hour": 7, "minute": 7}
